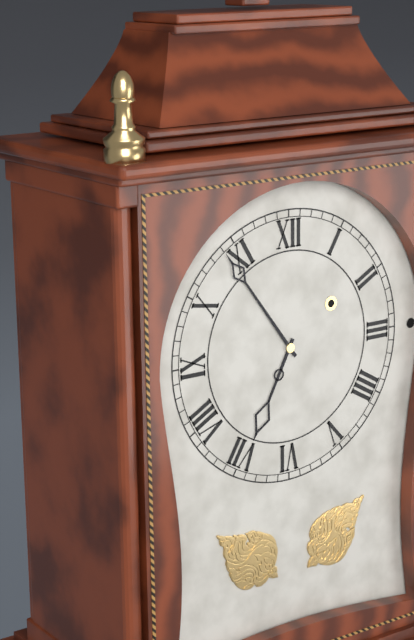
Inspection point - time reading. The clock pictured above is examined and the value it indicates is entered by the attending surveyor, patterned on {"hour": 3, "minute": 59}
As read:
{"hour": 6, "minute": 54}
